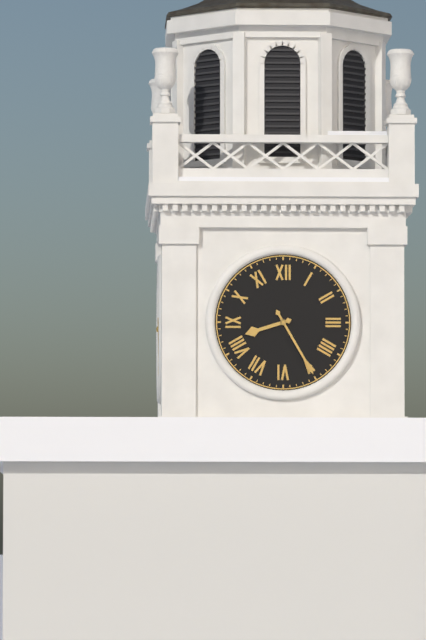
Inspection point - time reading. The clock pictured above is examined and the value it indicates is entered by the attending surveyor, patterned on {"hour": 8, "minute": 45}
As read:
{"hour": 8, "minute": 25}
